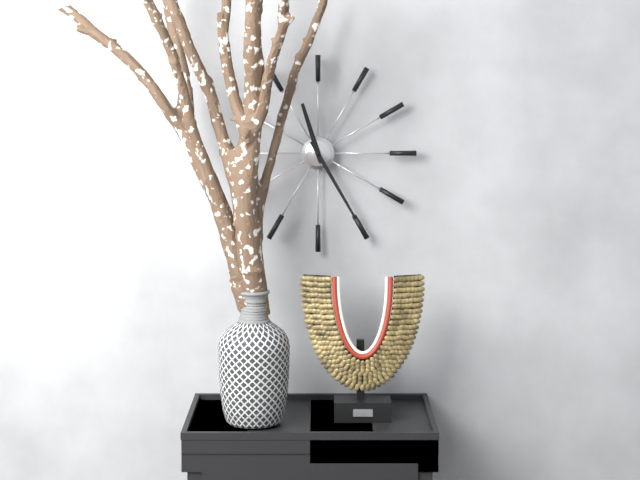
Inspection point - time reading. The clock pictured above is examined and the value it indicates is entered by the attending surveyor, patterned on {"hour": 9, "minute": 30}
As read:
{"hour": 11, "minute": 25}
